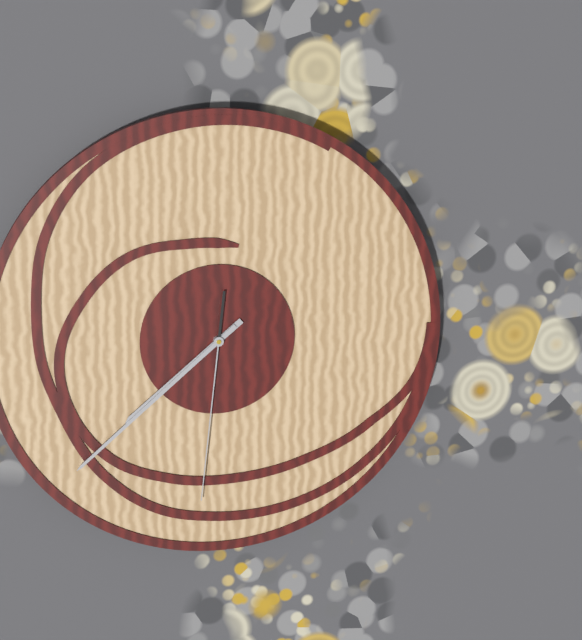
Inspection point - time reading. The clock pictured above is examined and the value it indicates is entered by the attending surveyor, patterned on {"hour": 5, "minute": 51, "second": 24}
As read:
{"hour": 7, "minute": 38, "second": 31}
